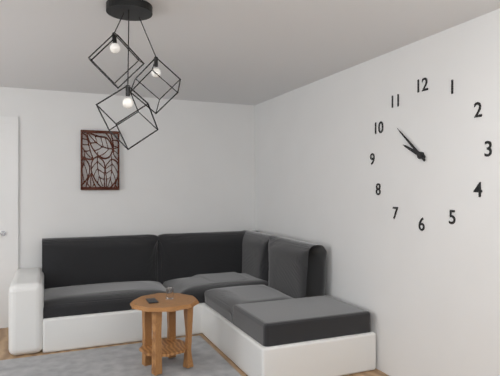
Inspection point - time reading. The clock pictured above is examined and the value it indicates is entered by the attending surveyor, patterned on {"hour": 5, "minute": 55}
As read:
{"hour": 9, "minute": 52}
